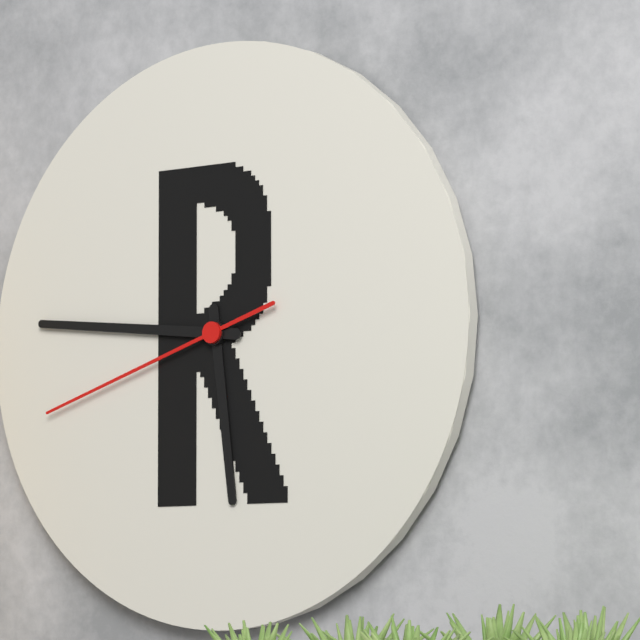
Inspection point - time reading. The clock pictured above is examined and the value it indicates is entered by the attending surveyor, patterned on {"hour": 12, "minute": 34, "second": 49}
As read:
{"hour": 5, "minute": 46, "second": 42}
